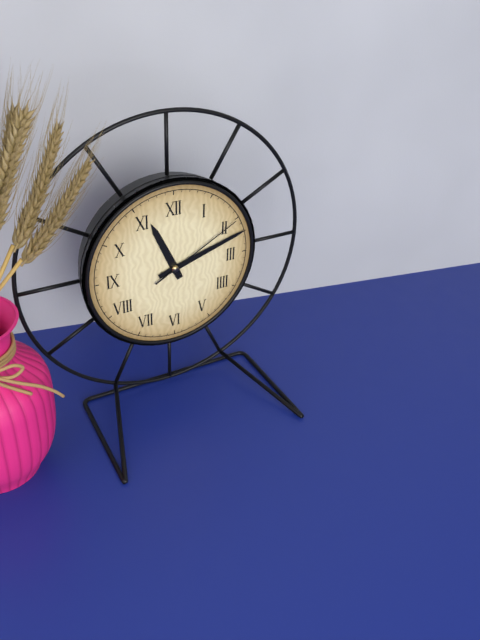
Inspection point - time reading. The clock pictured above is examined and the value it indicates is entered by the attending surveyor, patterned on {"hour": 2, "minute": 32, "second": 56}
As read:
{"hour": 11, "minute": 12, "second": 10}
